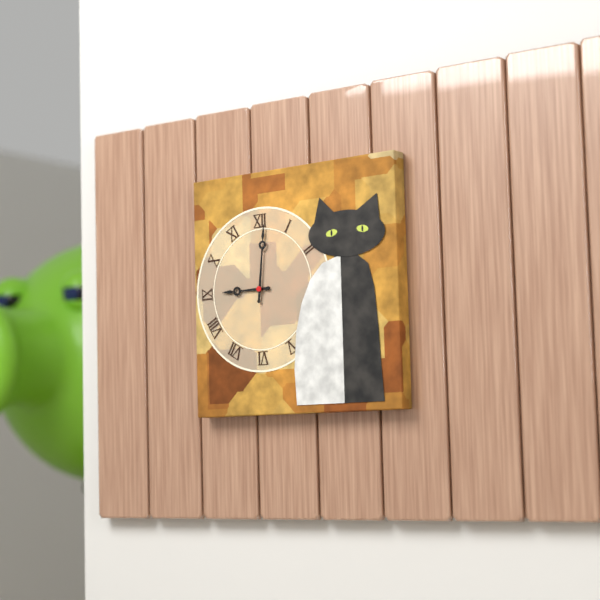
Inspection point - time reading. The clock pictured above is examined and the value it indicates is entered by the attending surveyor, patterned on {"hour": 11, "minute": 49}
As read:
{"hour": 9, "minute": 1}
